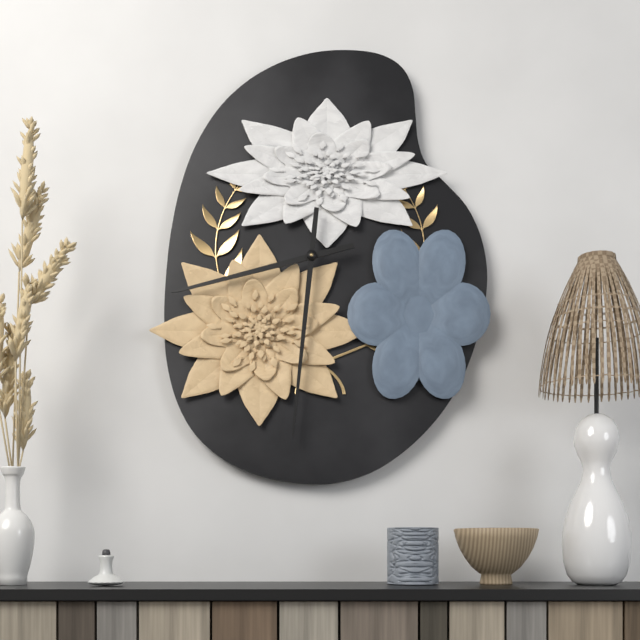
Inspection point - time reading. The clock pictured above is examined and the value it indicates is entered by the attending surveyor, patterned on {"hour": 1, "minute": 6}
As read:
{"hour": 8, "minute": 31}
